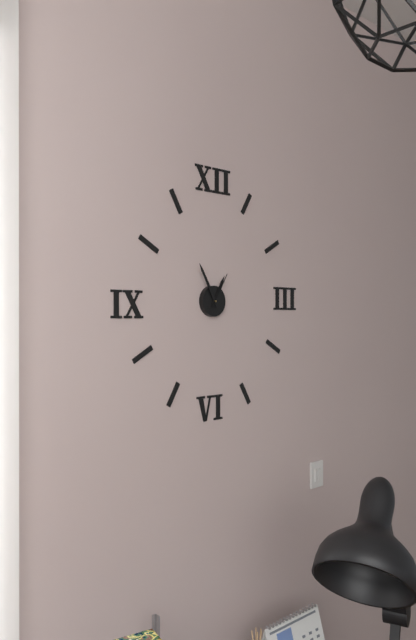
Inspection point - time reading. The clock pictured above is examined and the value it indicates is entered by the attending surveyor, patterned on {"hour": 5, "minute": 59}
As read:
{"hour": 12, "minute": 55}
